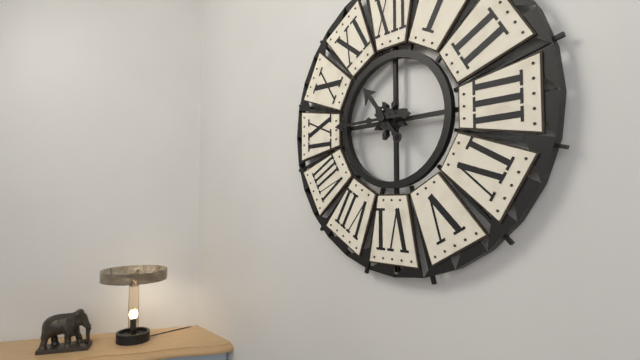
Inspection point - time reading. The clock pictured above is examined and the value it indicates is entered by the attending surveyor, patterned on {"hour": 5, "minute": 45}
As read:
{"hour": 10, "minute": 45}
